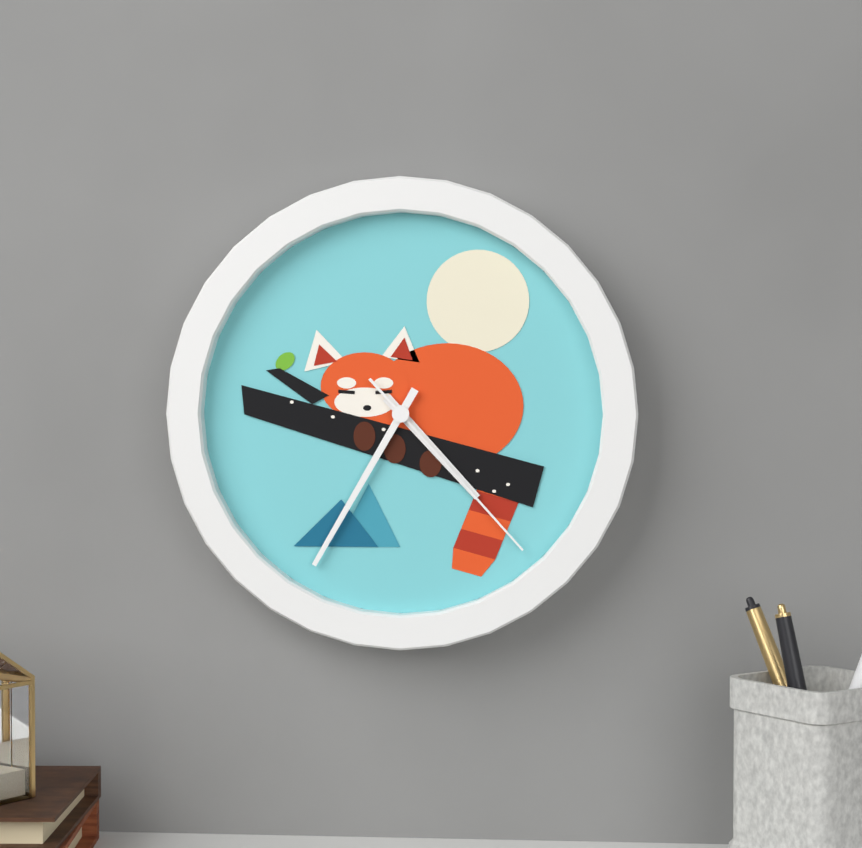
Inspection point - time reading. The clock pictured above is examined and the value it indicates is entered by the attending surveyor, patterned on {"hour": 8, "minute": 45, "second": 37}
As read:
{"hour": 4, "minute": 35, "second": 23}
